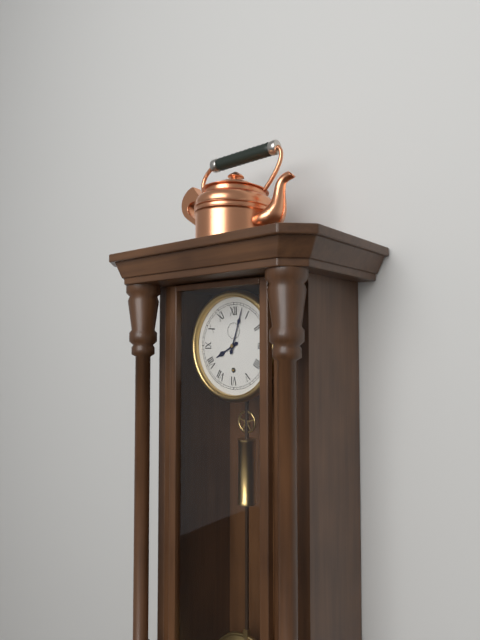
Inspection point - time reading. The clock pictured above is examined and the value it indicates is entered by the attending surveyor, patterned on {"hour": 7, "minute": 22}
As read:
{"hour": 8, "minute": 3}
